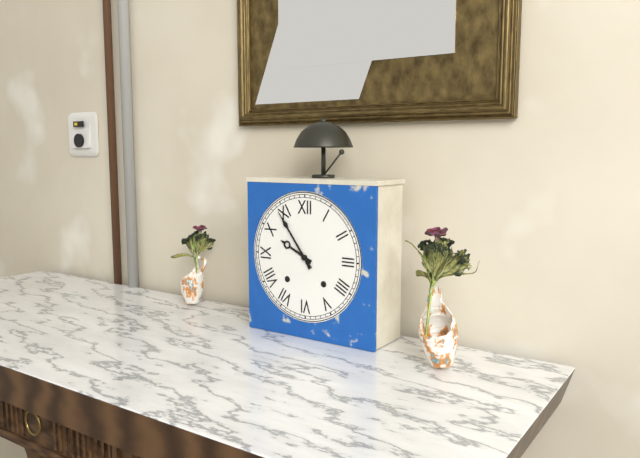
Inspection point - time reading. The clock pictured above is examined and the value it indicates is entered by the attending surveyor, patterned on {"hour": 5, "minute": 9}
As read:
{"hour": 9, "minute": 54}
